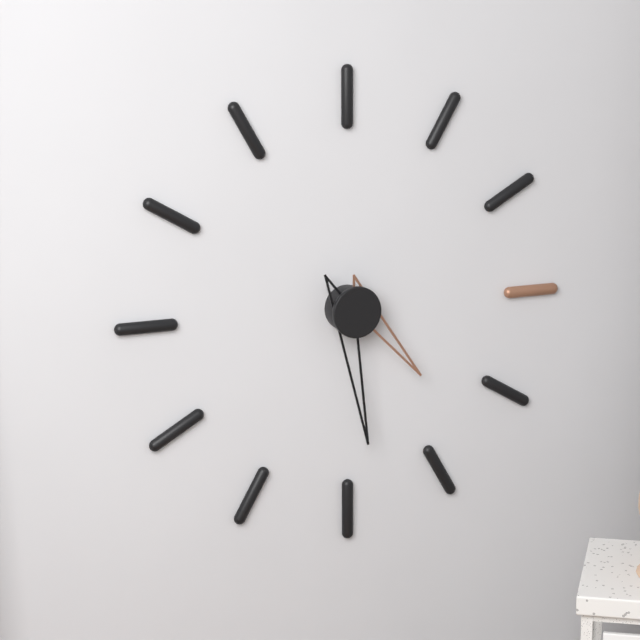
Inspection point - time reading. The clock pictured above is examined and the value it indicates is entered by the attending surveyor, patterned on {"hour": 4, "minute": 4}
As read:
{"hour": 4, "minute": 29}
